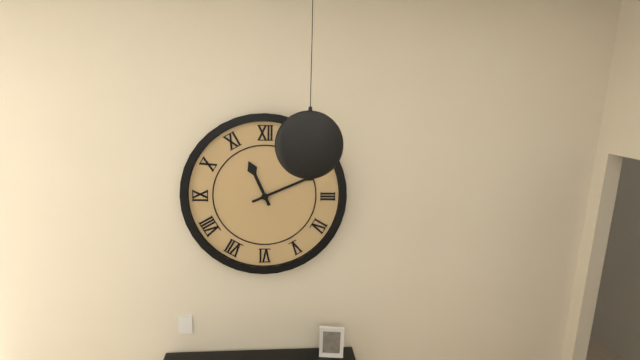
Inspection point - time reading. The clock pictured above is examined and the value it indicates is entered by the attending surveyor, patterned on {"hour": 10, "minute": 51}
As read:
{"hour": 11, "minute": 11}
